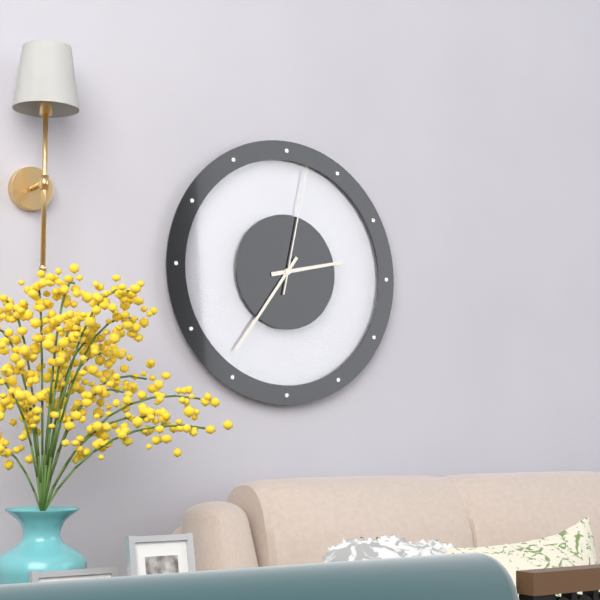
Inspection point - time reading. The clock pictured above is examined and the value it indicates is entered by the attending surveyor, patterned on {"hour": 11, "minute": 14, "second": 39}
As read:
{"hour": 2, "minute": 36, "second": 2}
